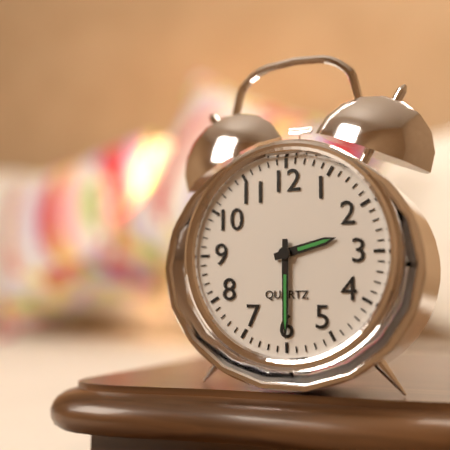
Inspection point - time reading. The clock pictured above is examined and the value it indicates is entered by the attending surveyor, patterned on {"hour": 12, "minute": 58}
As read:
{"hour": 2, "minute": 30}
